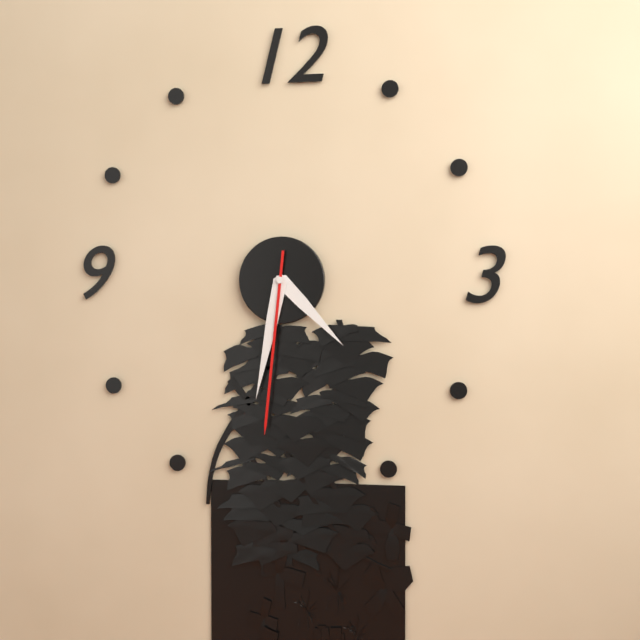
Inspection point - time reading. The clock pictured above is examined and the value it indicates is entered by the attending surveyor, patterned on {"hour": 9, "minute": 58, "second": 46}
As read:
{"hour": 4, "minute": 32, "second": 31}
